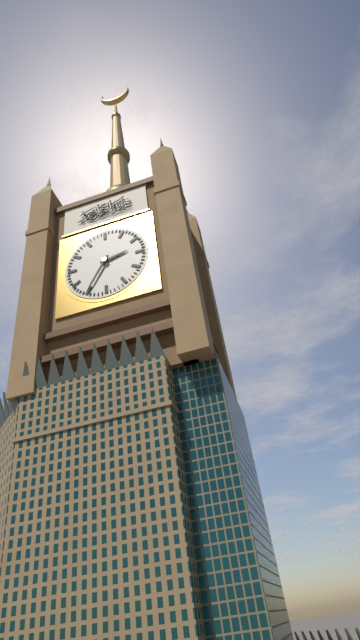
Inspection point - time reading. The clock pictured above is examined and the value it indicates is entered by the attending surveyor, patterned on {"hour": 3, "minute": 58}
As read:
{"hour": 2, "minute": 35}
